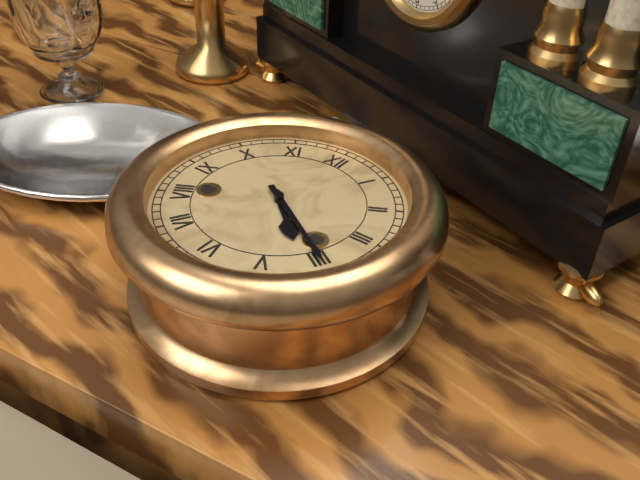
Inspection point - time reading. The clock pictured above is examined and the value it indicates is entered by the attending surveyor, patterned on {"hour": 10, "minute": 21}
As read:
{"hour": 4, "minute": 20}
